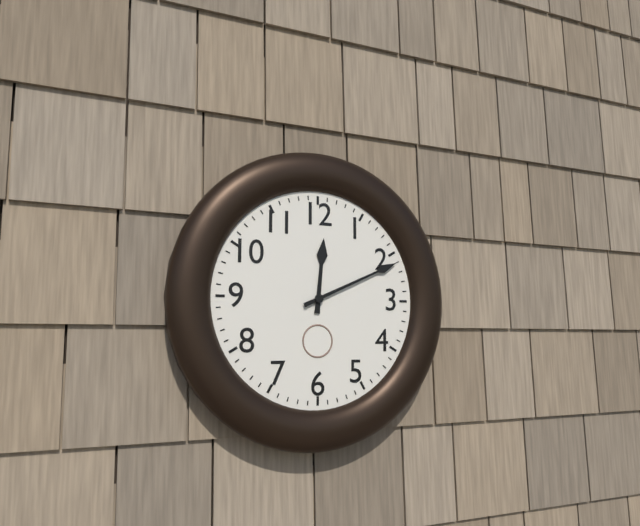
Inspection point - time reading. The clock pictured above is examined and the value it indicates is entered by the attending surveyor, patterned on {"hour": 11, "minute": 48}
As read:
{"hour": 12, "minute": 11}
